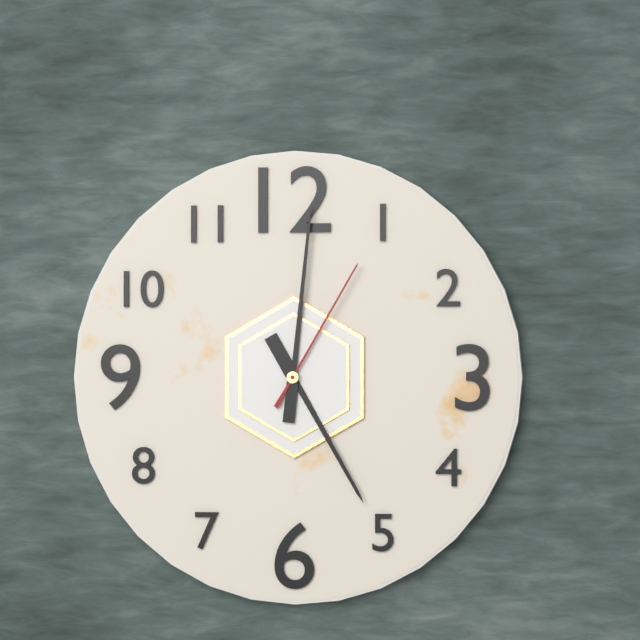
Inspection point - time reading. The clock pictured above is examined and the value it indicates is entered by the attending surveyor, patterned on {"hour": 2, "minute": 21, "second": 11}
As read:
{"hour": 5, "minute": 1, "second": 5}
